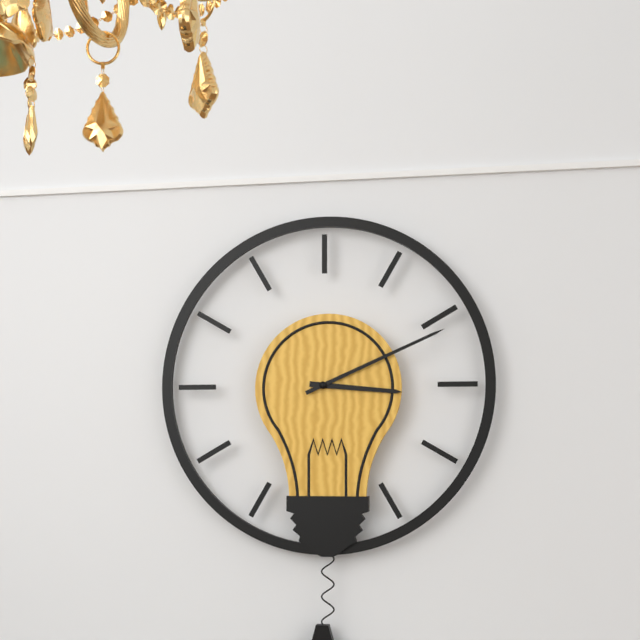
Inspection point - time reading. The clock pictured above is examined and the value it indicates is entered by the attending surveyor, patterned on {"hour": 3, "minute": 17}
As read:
{"hour": 3, "minute": 11}
